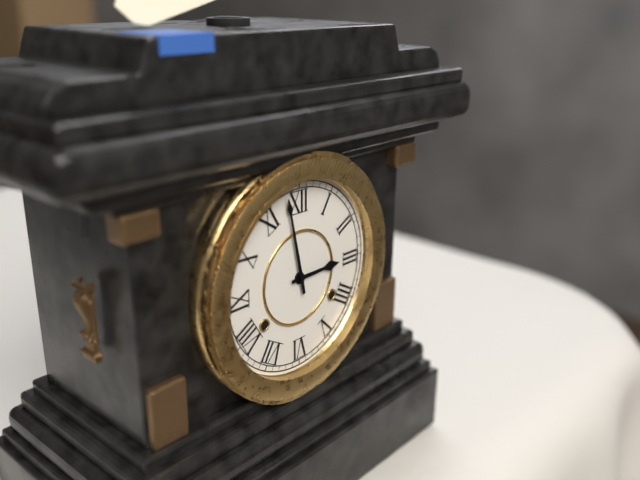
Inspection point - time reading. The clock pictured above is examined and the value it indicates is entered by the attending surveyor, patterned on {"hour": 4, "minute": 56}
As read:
{"hour": 2, "minute": 58}
